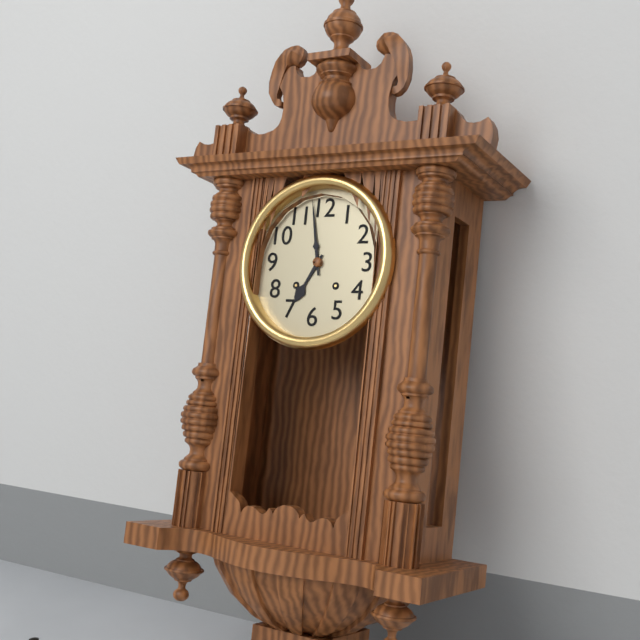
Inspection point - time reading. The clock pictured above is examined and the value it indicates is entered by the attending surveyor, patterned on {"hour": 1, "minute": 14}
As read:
{"hour": 6, "minute": 58}
